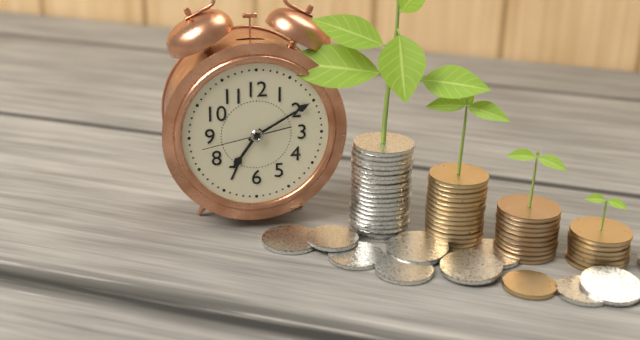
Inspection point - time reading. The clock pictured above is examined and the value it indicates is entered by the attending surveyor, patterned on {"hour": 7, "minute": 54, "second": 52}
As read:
{"hour": 7, "minute": 10, "second": 43}
